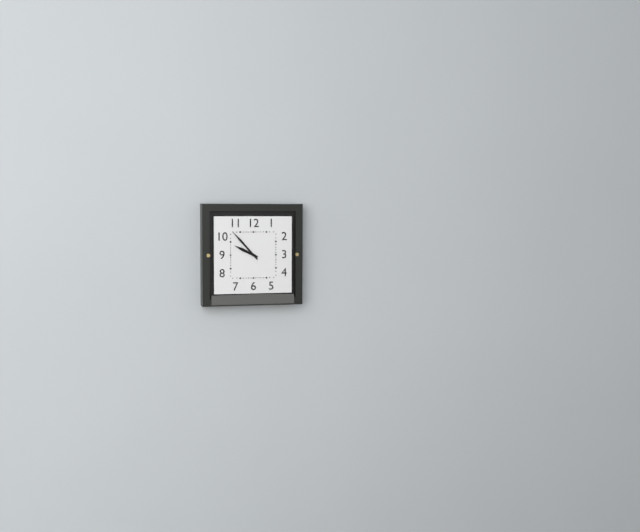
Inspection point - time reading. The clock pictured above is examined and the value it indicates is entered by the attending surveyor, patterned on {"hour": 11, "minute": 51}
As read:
{"hour": 9, "minute": 53}
